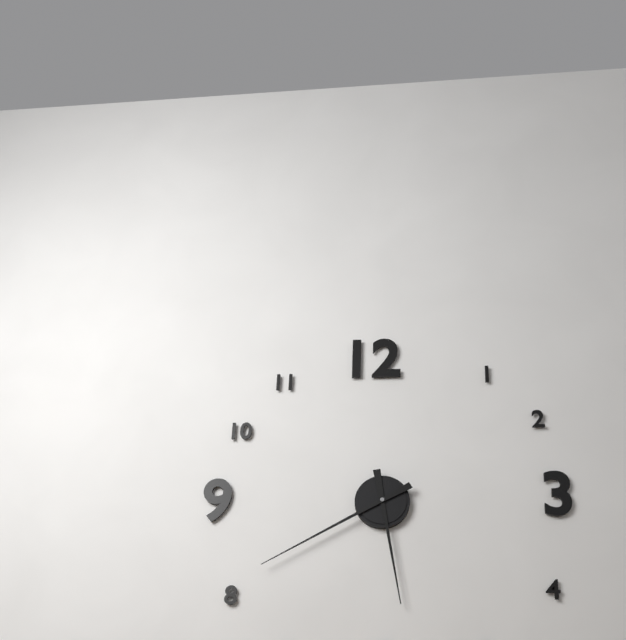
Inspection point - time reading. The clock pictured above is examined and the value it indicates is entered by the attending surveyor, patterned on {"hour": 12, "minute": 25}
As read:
{"hour": 5, "minute": 40}
